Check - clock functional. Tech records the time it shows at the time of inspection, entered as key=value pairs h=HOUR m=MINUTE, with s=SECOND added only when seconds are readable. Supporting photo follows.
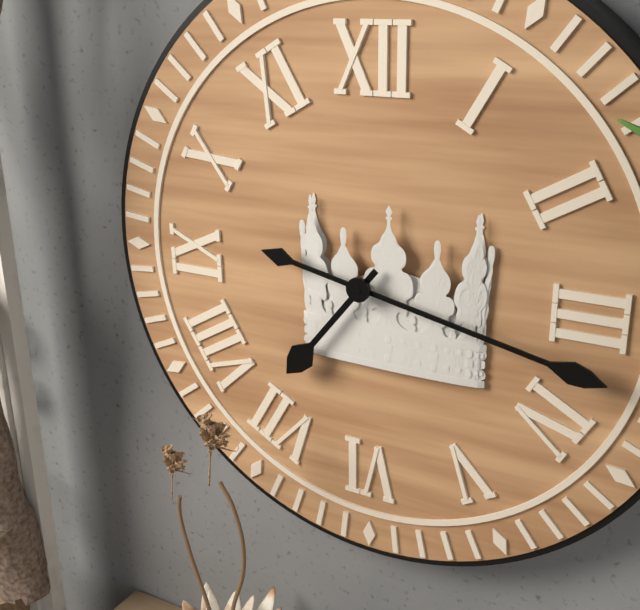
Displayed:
h=7 m=17
